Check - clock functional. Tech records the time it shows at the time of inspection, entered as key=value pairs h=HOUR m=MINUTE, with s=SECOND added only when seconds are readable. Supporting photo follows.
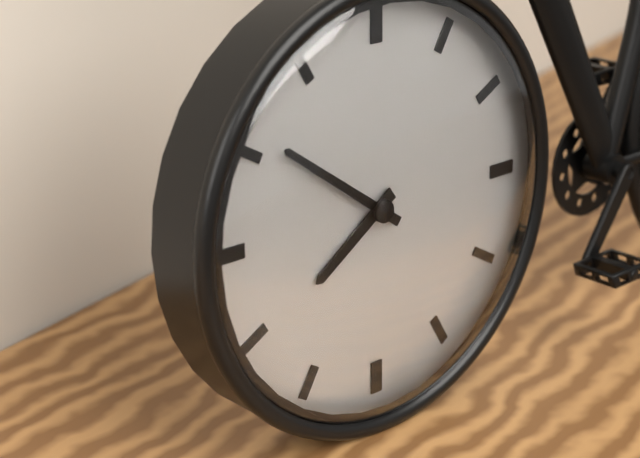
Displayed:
h=7 m=51
